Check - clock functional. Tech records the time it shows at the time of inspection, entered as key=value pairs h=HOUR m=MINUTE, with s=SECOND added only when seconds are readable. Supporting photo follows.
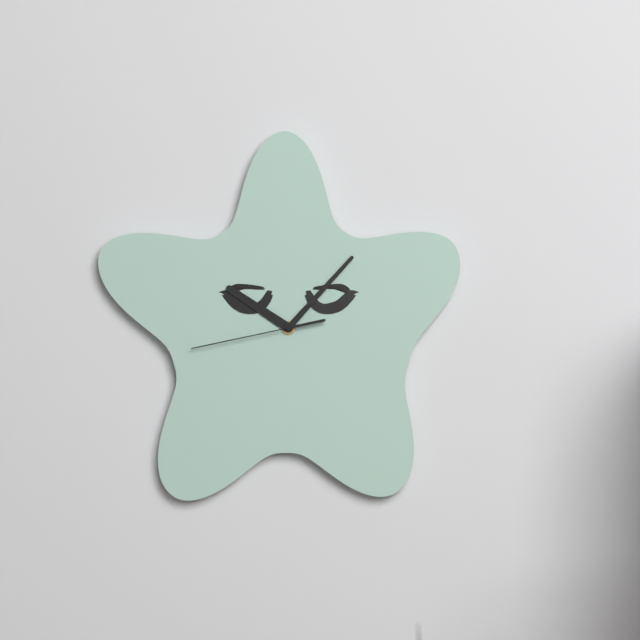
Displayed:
h=10 m=7 s=43
